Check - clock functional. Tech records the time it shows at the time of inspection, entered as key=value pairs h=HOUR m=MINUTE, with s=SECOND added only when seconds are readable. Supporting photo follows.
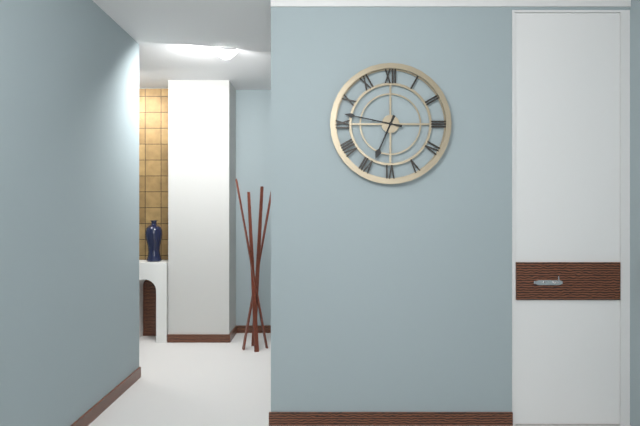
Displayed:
h=6 m=47
